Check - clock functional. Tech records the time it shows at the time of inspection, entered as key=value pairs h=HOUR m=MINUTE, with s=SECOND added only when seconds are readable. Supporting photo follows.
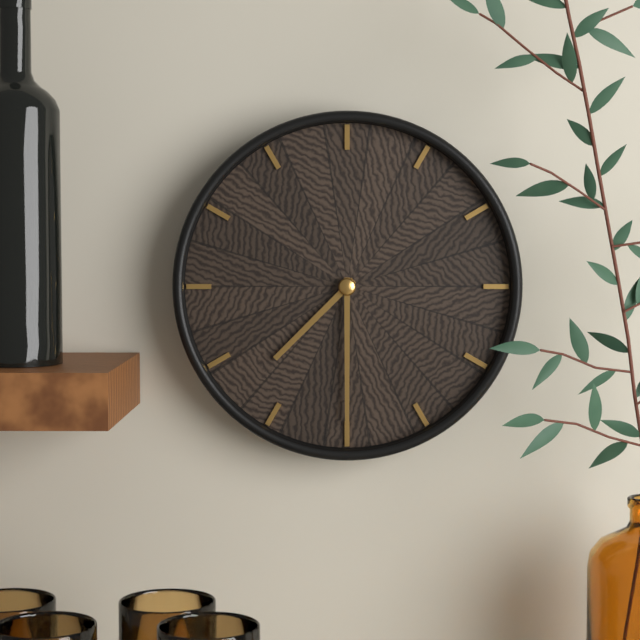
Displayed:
h=7 m=30
